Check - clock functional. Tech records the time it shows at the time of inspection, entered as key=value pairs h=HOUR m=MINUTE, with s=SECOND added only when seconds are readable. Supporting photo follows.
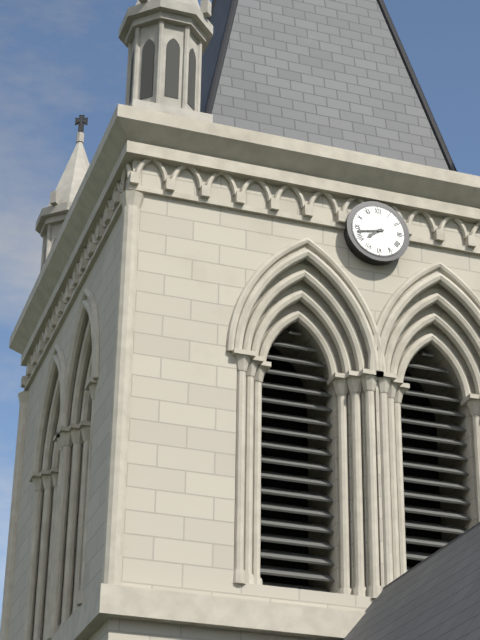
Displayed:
h=7 m=43
